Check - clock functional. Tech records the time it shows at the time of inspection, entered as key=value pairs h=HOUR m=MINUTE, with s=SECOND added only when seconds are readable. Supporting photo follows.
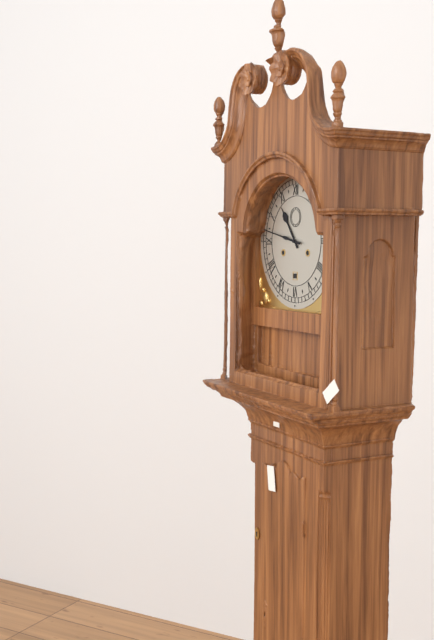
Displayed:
h=10 m=47
